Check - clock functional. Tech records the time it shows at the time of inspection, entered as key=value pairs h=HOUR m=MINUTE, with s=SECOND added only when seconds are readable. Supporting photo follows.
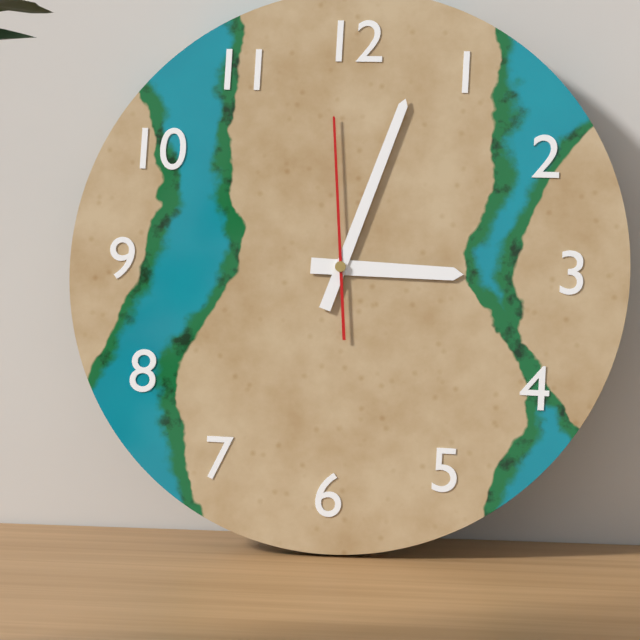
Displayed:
h=3 m=3 s=59
